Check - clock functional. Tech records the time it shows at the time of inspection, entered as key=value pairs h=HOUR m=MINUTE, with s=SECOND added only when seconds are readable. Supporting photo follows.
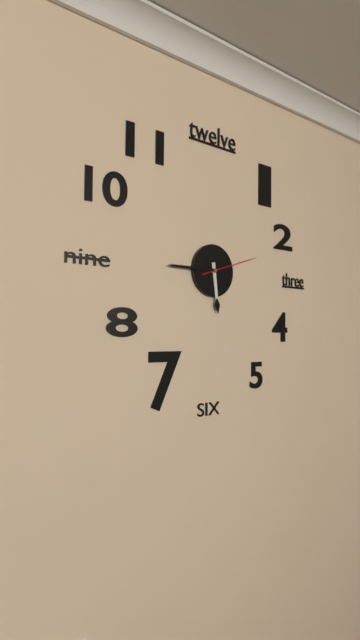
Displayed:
h=5 m=45 s=12
